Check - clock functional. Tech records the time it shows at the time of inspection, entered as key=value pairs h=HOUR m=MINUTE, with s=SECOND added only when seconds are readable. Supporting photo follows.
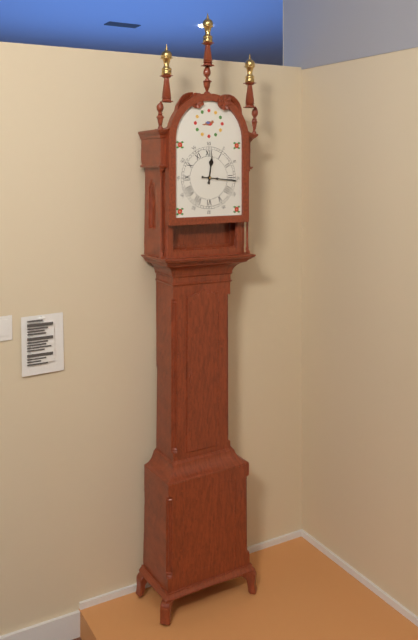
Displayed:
h=12 m=16
